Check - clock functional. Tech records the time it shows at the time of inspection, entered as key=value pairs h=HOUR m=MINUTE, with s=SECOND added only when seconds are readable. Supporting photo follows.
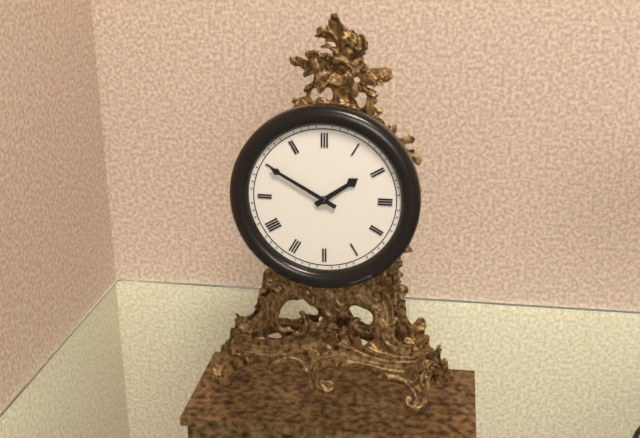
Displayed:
h=1 m=50
